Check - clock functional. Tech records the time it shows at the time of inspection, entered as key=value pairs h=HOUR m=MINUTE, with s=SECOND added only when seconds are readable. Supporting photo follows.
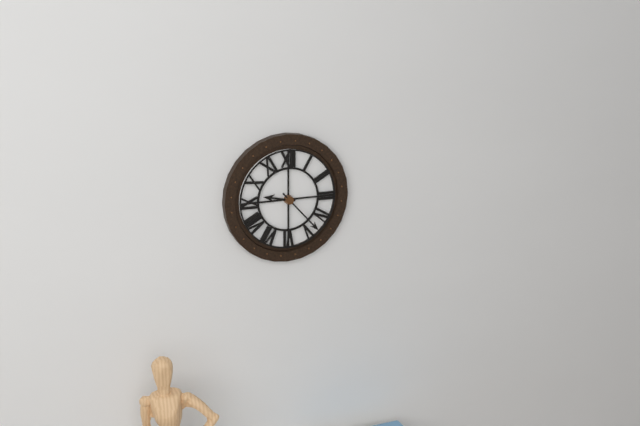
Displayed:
h=9 m=23
